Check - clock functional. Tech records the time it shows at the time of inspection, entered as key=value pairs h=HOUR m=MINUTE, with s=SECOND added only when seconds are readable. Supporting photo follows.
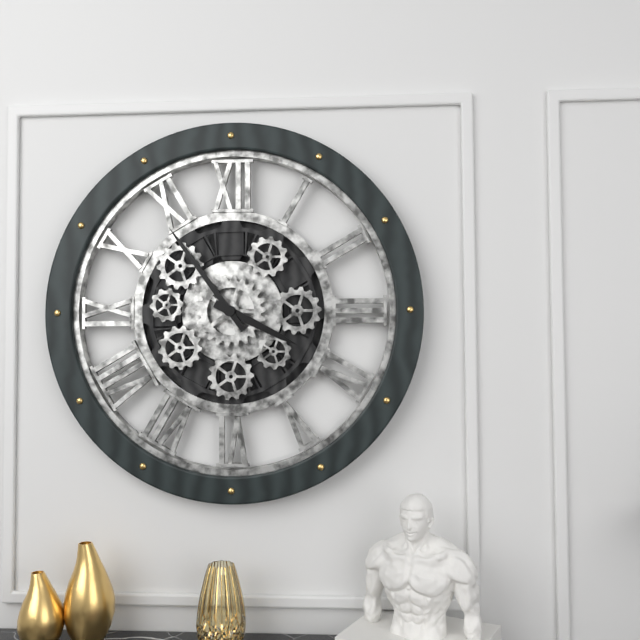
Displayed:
h=3 m=54
